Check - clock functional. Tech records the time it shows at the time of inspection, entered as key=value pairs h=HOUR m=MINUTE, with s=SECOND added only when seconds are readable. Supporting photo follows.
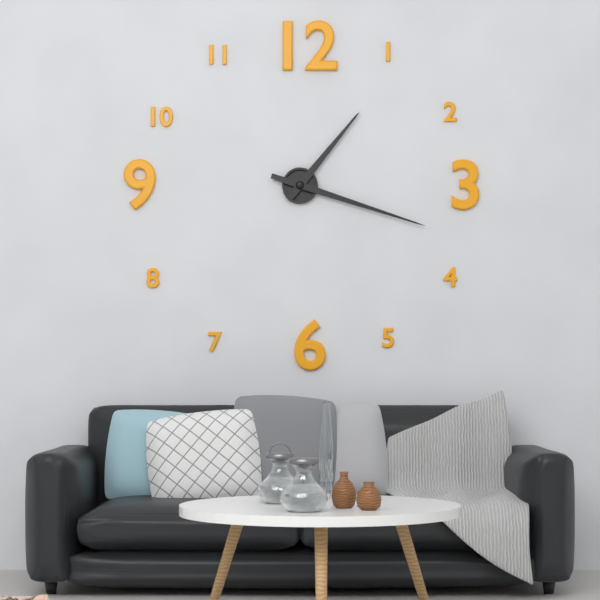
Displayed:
h=1 m=18
